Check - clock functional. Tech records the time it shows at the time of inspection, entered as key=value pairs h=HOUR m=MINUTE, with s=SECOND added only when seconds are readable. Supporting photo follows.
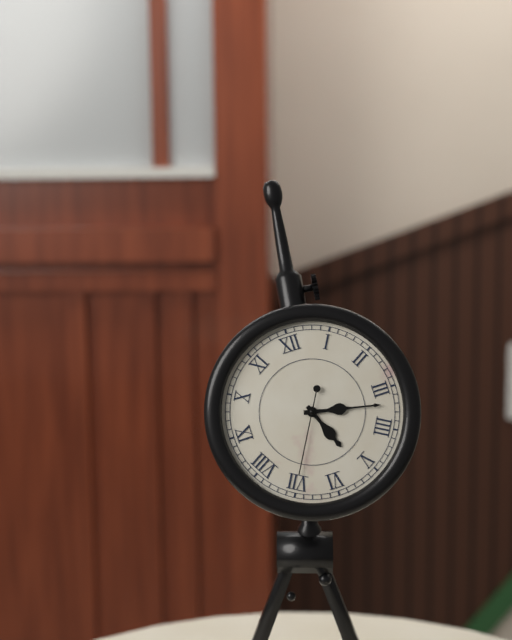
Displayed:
h=5 m=17 s=35
